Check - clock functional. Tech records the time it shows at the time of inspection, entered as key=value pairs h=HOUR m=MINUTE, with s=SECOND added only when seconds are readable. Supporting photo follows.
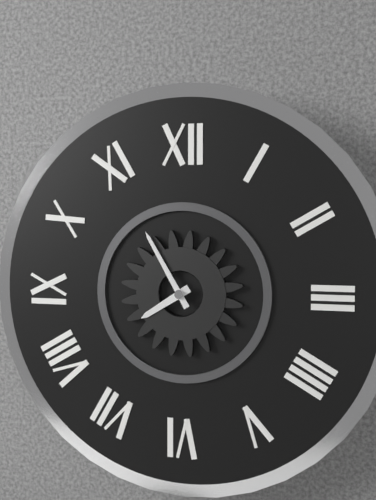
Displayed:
h=7 m=55
